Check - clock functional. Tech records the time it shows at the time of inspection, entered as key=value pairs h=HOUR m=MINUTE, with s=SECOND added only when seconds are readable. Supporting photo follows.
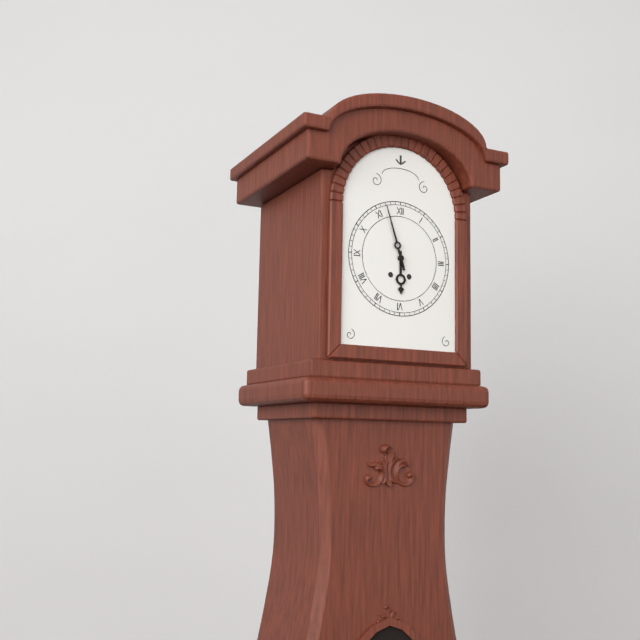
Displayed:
h=5 m=57
